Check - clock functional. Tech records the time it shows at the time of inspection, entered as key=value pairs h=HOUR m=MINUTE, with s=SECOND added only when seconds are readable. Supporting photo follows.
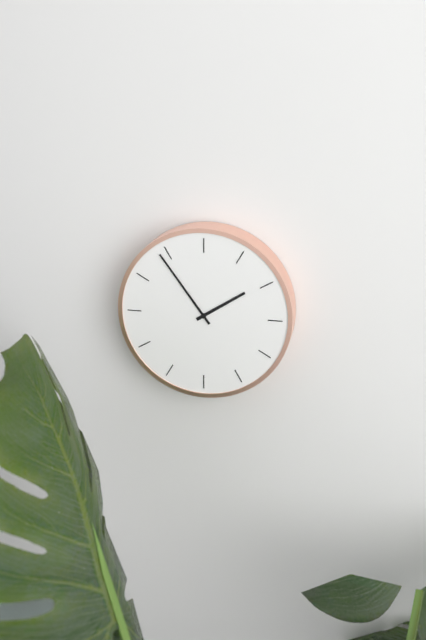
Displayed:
h=1 m=54
